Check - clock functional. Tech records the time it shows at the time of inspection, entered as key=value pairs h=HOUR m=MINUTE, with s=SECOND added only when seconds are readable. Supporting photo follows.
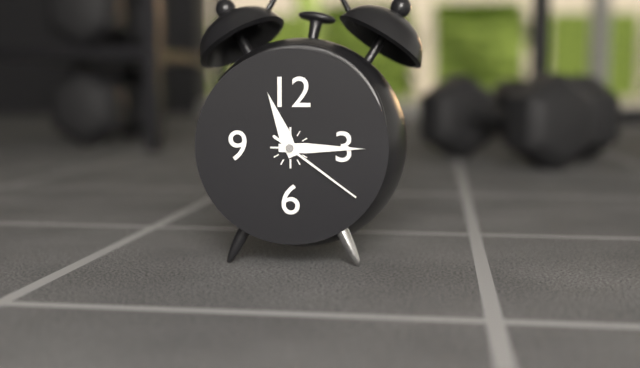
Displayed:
h=11 m=15 s=21
